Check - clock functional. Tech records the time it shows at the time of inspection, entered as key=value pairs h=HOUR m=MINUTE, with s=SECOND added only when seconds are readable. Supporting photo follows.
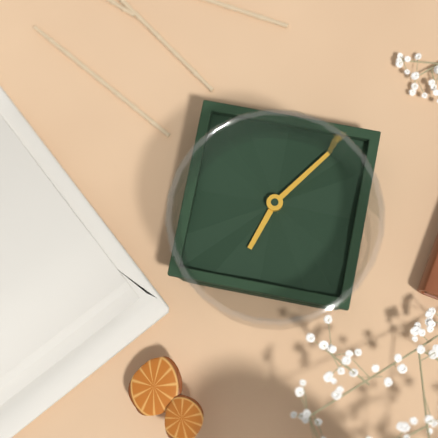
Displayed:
h=12 m=36
